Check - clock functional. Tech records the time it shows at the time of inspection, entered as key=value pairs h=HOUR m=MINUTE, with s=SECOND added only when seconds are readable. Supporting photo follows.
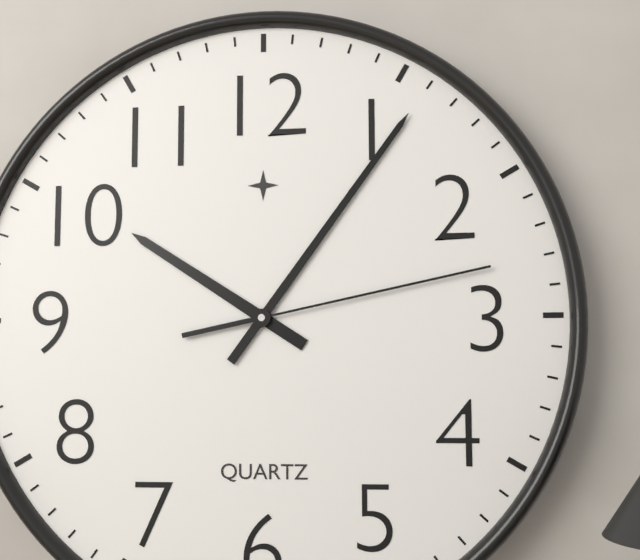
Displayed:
h=10 m=6 s=13
